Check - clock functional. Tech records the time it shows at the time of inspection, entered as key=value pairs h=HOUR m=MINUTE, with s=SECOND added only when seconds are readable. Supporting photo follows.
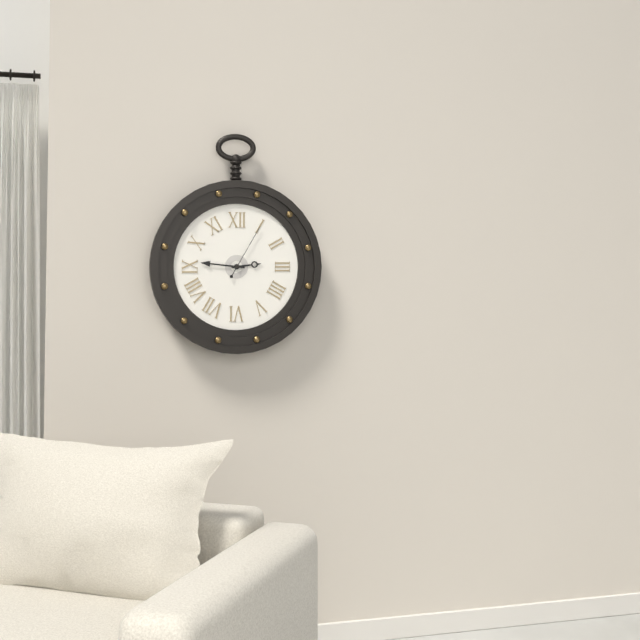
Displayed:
h=2 m=46 s=5
